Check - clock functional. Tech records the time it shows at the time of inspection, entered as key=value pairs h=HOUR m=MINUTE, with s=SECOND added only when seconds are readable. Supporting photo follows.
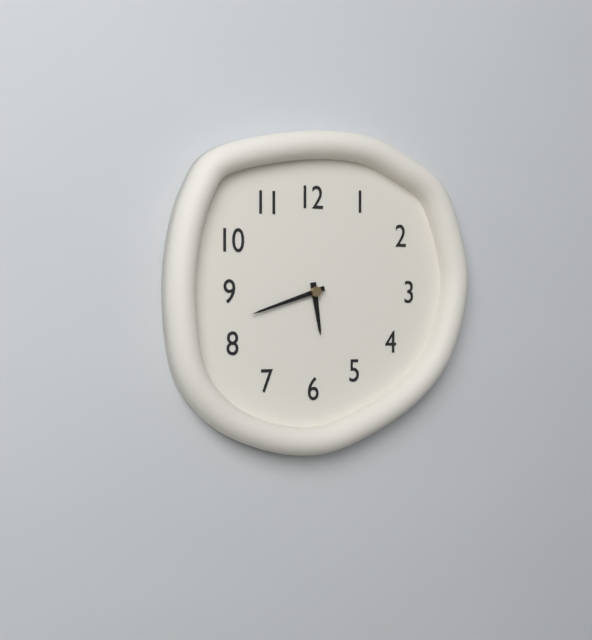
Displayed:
h=5 m=42
